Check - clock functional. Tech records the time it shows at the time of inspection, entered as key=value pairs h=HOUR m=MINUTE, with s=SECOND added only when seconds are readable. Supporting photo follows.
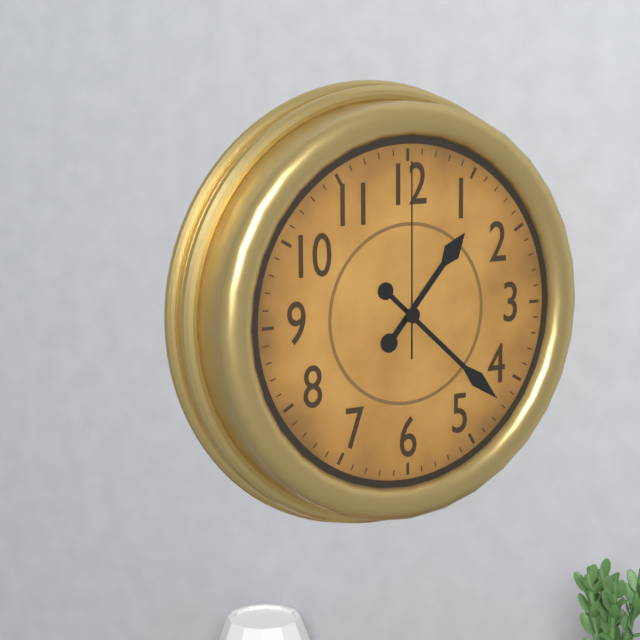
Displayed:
h=1 m=22 s=0
